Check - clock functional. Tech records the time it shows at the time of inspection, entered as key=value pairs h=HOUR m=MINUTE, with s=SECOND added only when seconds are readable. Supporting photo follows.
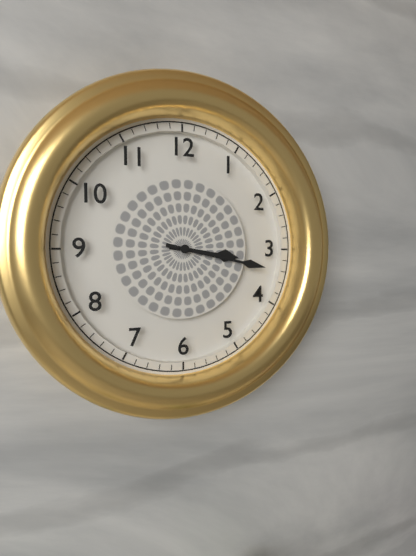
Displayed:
h=3 m=17
